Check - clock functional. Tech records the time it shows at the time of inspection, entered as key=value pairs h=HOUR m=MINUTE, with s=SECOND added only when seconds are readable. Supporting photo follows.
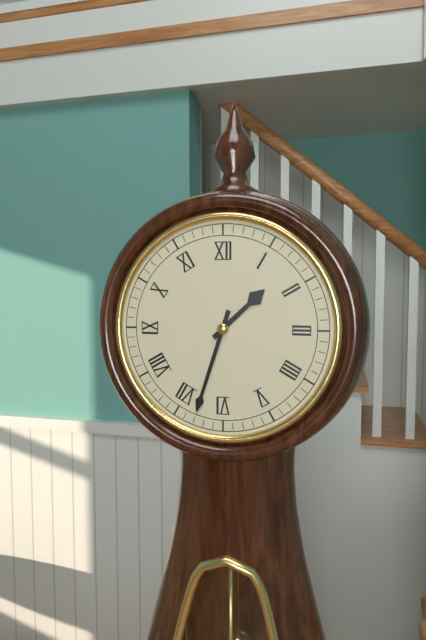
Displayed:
h=1 m=33
